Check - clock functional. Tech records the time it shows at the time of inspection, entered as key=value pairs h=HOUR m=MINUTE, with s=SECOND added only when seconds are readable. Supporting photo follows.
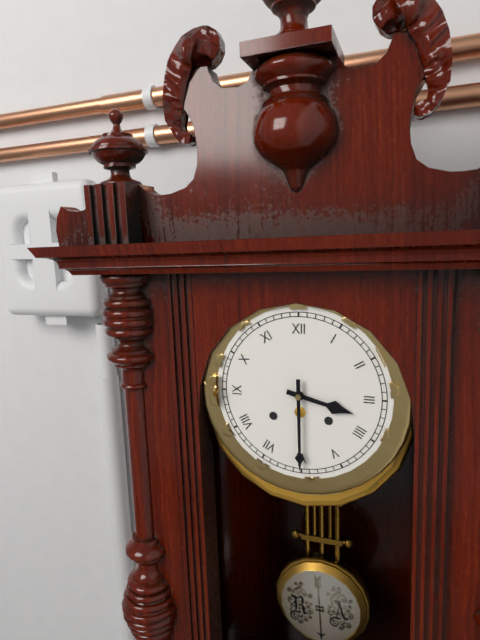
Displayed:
h=3 m=30
